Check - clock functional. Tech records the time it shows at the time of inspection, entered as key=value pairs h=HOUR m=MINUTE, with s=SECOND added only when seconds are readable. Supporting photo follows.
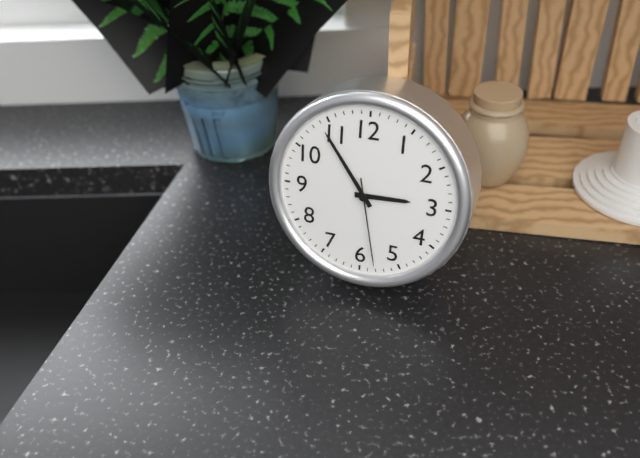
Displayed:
h=2 m=54 s=28
